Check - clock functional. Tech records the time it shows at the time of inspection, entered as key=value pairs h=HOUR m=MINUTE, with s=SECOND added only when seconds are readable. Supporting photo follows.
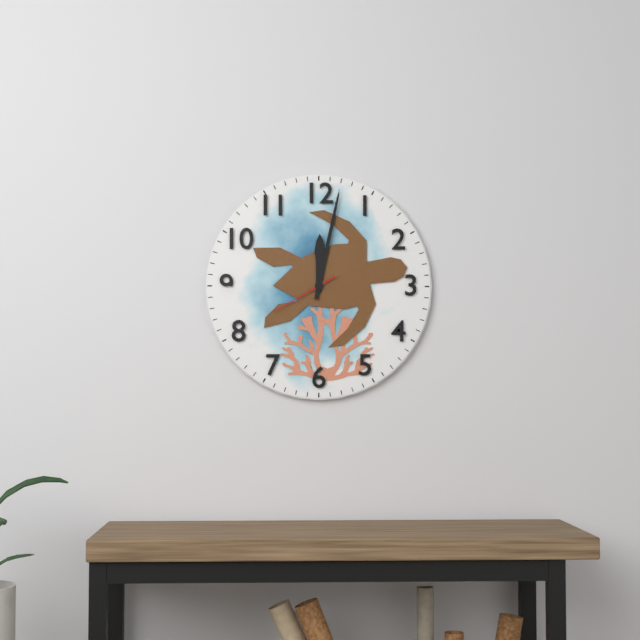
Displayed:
h=12 m=2 s=40
